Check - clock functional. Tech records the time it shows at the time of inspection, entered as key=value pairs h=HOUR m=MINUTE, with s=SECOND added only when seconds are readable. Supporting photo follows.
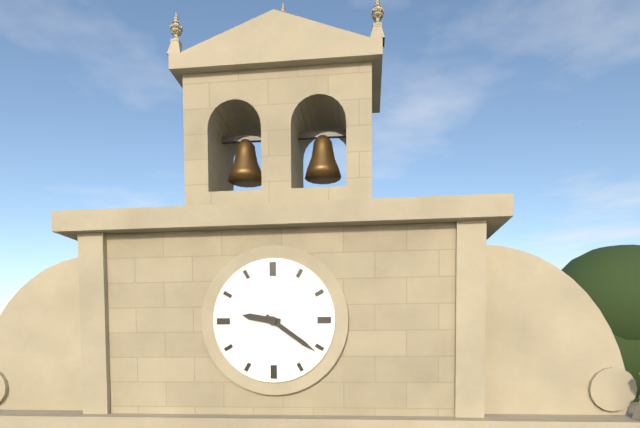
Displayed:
h=9 m=21
